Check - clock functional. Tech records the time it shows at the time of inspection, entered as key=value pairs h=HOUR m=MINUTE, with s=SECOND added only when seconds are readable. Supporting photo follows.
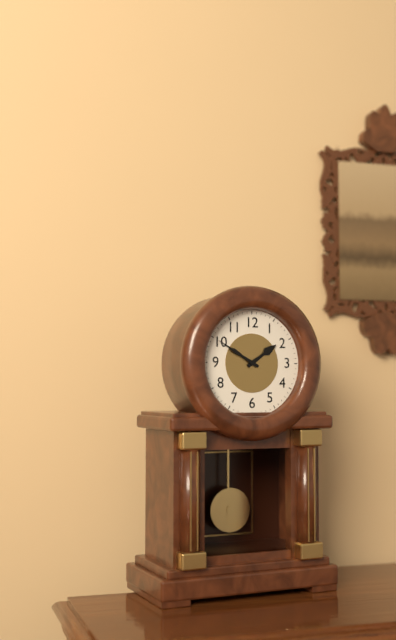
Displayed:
h=1 m=50
